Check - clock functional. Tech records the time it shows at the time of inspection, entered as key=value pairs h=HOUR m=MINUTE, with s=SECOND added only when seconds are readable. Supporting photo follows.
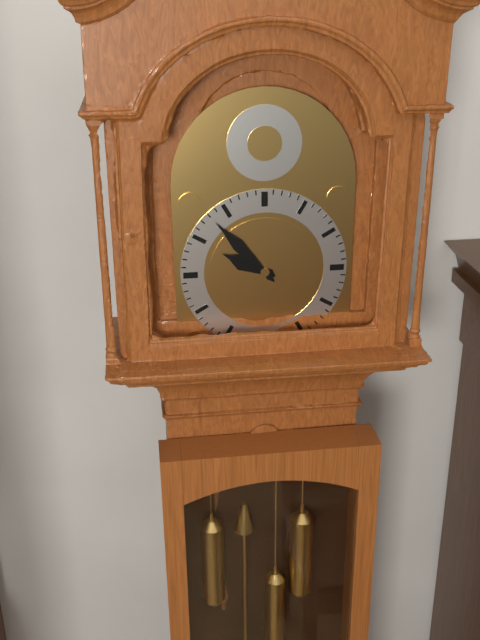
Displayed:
h=9 m=53
